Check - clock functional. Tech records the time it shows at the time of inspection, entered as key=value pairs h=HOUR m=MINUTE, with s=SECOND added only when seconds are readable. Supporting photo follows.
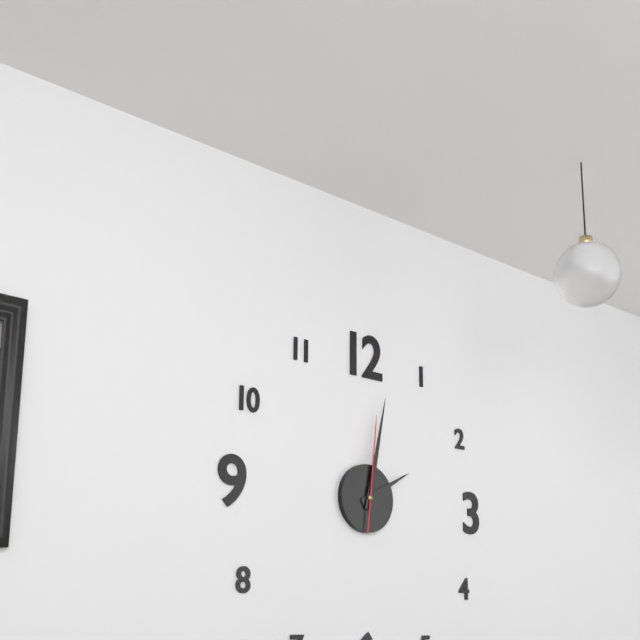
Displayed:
h=2 m=2 s=1
